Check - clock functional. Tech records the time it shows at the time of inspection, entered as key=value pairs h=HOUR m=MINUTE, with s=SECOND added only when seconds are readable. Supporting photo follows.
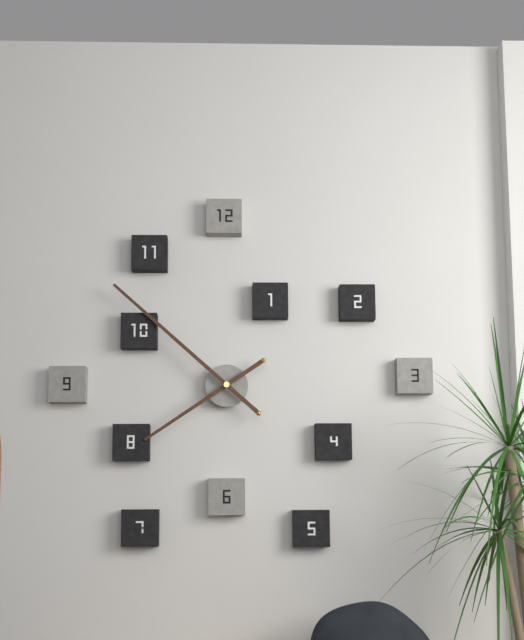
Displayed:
h=7 m=52
